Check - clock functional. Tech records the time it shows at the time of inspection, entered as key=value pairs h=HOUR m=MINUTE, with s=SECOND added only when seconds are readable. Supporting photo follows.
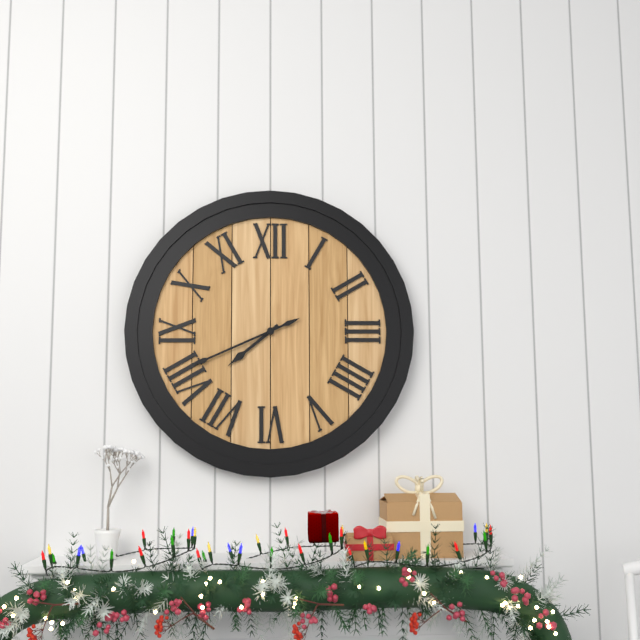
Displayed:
h=7 m=41
